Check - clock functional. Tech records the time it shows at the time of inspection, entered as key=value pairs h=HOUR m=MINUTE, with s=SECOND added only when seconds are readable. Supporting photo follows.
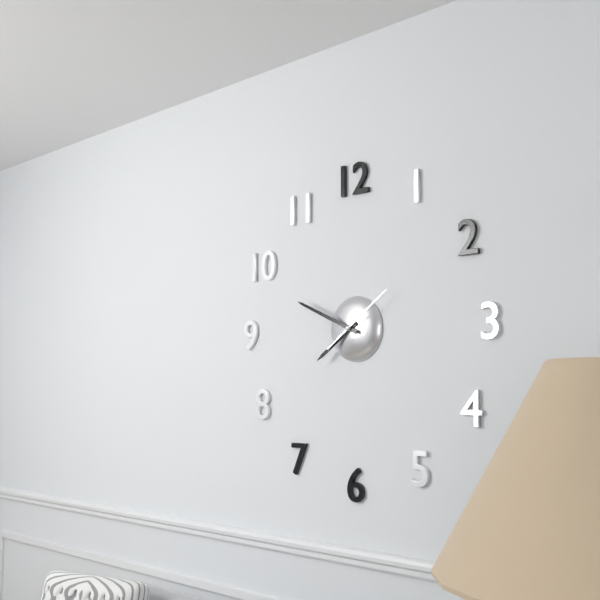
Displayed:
h=7 m=49 s=9
